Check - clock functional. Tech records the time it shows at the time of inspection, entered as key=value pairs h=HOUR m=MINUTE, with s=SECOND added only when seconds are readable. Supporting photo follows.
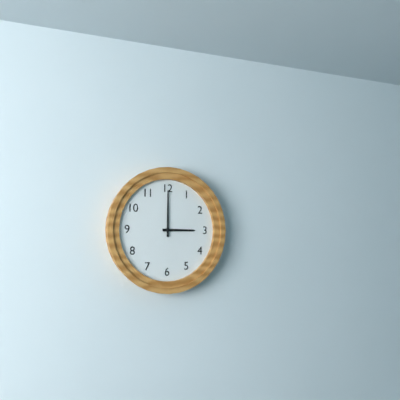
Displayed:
h=3 m=0
